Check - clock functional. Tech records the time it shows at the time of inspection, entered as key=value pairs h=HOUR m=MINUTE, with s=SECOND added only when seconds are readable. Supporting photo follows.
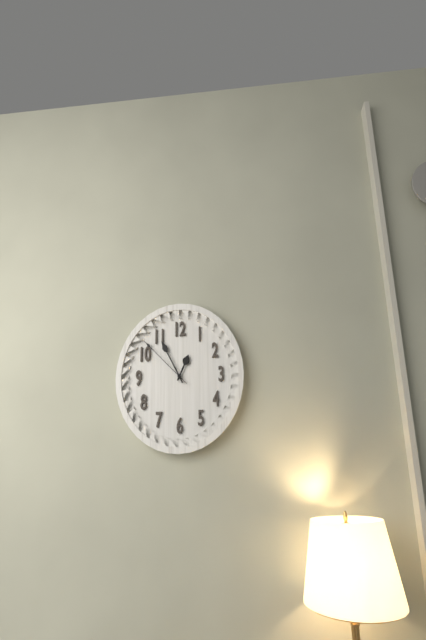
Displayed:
h=12 m=55 s=52
